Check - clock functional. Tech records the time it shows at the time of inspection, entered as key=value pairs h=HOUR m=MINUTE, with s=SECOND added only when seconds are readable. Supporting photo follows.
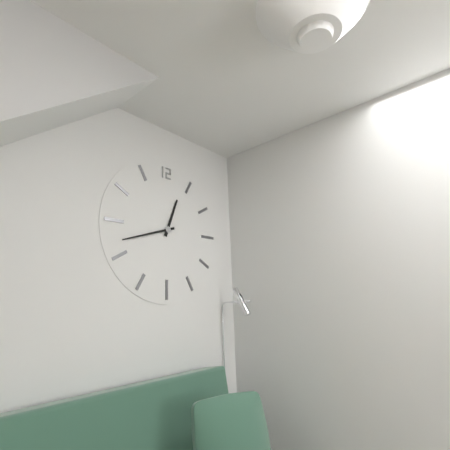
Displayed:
h=12 m=42
